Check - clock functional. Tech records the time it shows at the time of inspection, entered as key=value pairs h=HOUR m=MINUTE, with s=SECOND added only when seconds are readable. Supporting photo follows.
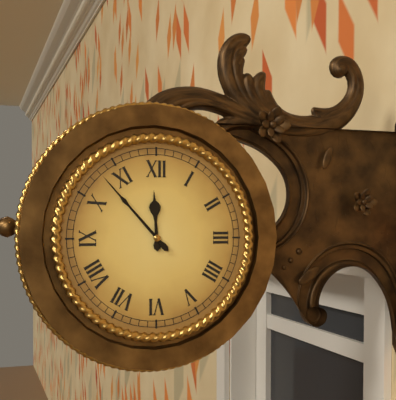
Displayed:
h=11 m=53
